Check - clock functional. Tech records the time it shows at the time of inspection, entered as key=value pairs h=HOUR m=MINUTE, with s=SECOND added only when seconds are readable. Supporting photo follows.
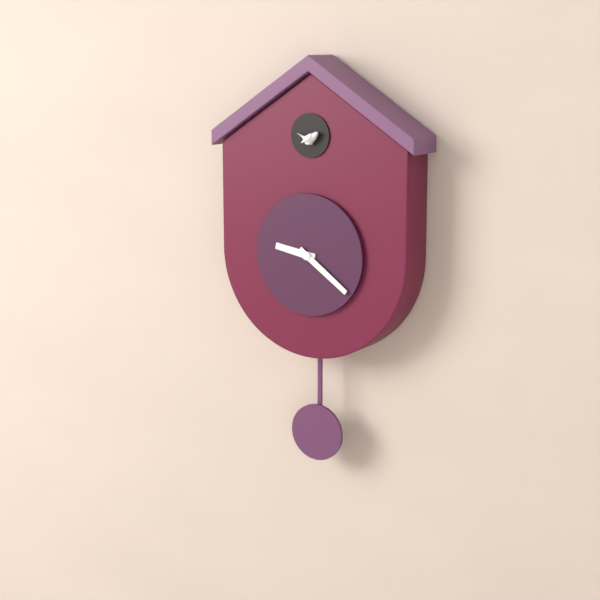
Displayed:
h=9 m=21
